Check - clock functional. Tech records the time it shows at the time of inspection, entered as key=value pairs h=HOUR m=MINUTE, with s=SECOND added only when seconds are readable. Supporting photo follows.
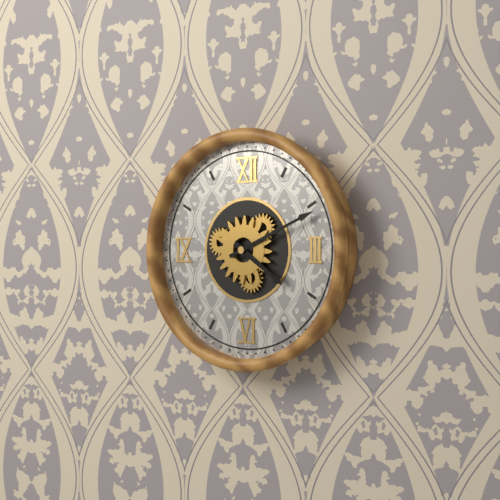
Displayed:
h=4 m=11
